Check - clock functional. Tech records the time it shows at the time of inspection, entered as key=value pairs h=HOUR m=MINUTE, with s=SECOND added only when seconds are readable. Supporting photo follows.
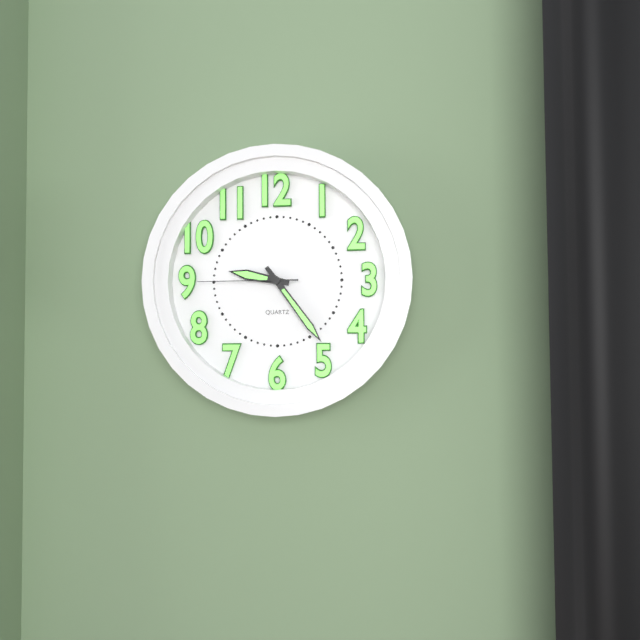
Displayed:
h=9 m=24 s=45
